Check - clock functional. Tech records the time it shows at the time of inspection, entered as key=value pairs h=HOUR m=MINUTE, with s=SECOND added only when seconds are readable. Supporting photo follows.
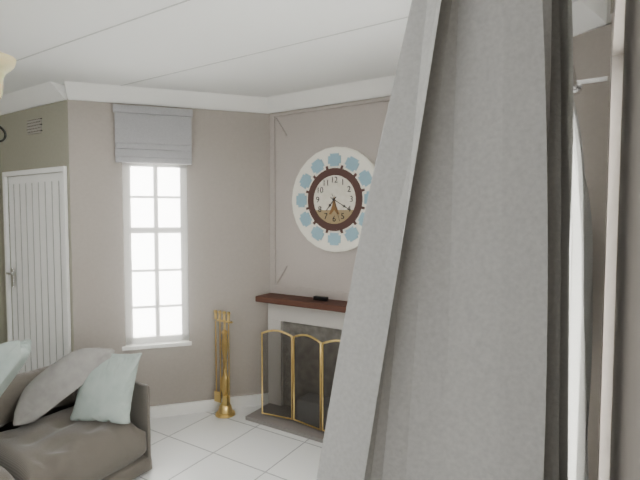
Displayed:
h=7 m=20
